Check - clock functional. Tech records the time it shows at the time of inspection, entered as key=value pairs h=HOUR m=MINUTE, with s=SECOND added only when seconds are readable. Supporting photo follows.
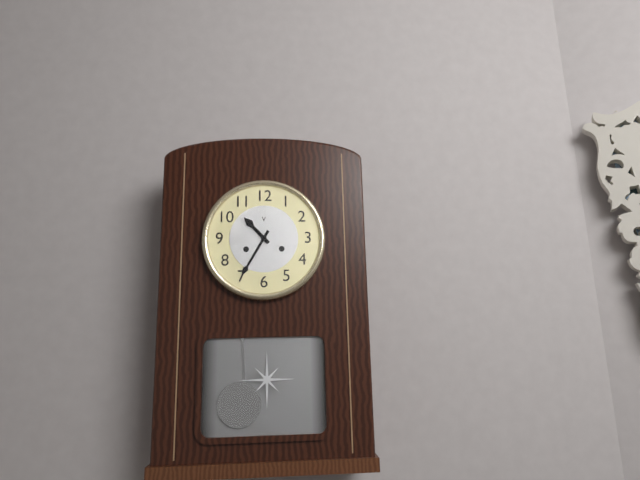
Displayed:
h=10 m=35
